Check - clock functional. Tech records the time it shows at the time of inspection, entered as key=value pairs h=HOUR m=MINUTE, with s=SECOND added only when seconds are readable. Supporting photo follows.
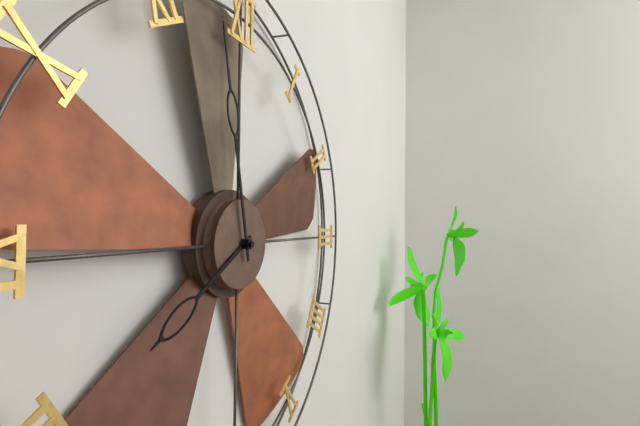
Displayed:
h=7 m=58
